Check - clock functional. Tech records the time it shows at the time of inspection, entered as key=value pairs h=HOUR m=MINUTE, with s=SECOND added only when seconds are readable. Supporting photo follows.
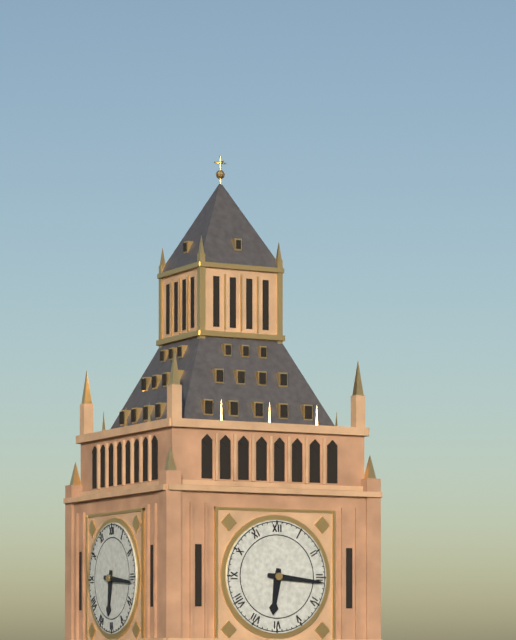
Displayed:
h=6 m=16
